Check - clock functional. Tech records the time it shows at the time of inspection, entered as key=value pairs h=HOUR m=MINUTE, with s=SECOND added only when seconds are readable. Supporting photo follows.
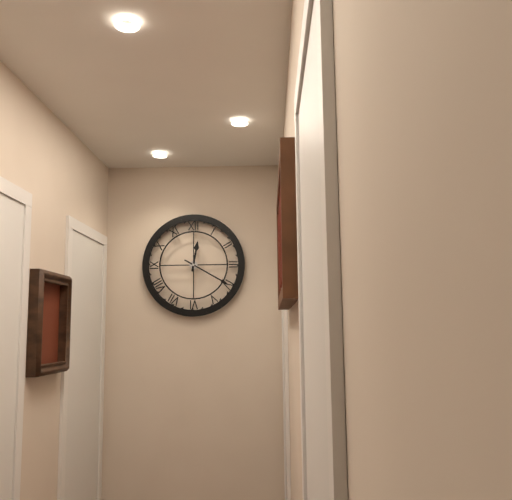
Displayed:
h=12 m=20
